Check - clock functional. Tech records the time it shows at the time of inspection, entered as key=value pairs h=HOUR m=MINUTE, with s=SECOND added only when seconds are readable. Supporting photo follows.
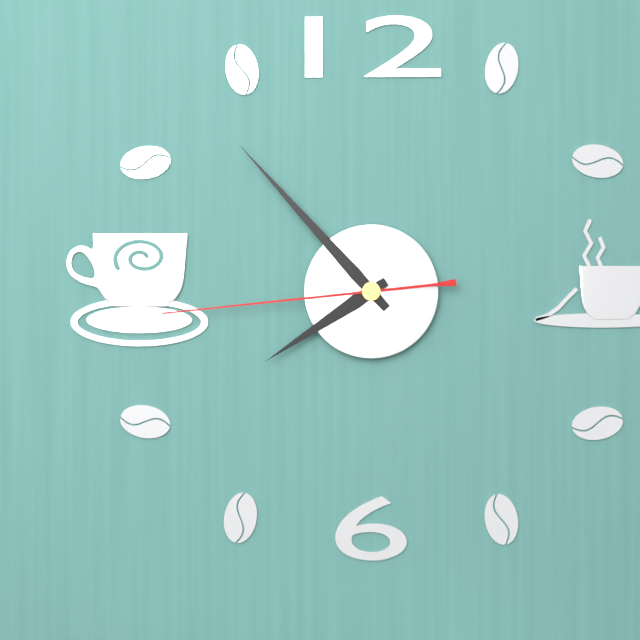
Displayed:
h=7 m=53 s=44
